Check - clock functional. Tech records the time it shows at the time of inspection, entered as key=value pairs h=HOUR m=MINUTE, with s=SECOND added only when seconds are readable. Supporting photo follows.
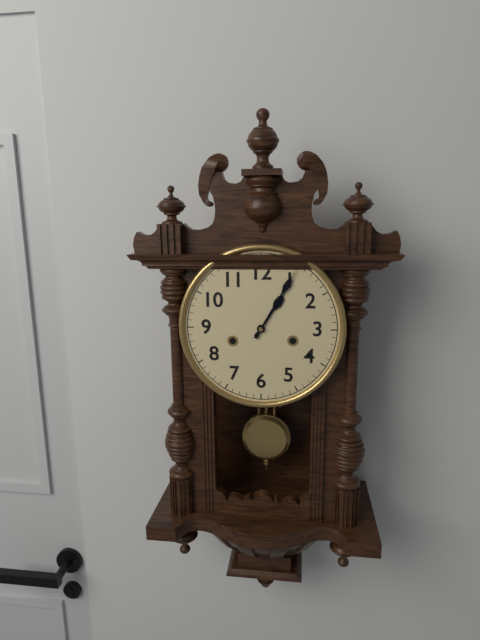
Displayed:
h=1 m=5
